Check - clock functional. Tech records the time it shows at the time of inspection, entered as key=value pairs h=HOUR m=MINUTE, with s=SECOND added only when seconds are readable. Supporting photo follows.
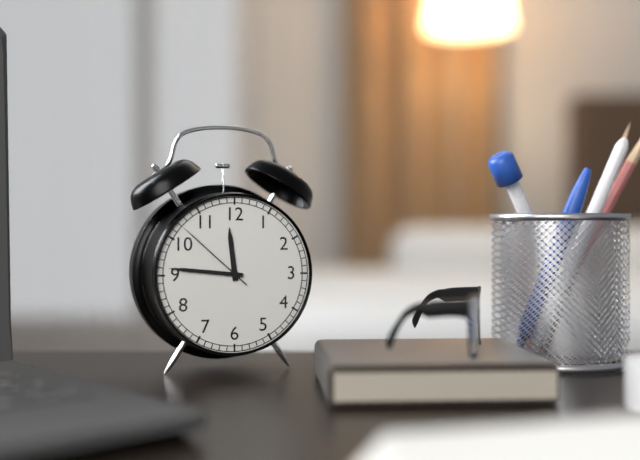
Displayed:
h=11 m=46 s=52
